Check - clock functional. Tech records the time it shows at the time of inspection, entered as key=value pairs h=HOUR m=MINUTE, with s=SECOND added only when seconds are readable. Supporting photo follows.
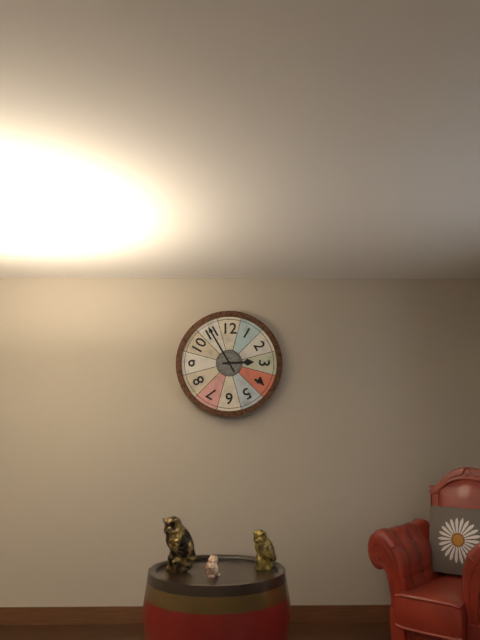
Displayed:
h=2 m=55
